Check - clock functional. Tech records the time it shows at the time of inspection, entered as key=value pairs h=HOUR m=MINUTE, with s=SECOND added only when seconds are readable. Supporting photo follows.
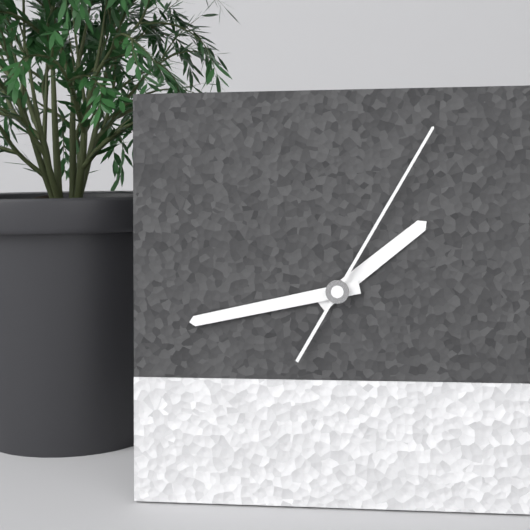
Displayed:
h=1 m=43 s=5
